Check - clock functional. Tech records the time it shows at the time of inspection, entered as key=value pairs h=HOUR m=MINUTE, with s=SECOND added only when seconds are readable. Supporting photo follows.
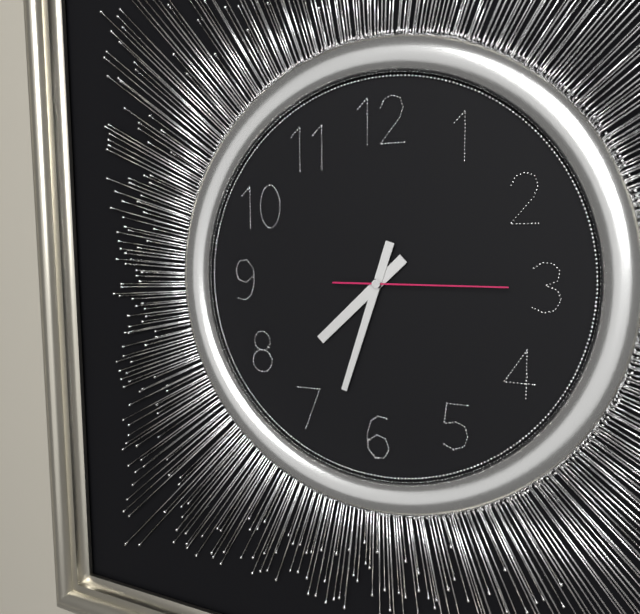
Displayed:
h=7 m=33 s=15
